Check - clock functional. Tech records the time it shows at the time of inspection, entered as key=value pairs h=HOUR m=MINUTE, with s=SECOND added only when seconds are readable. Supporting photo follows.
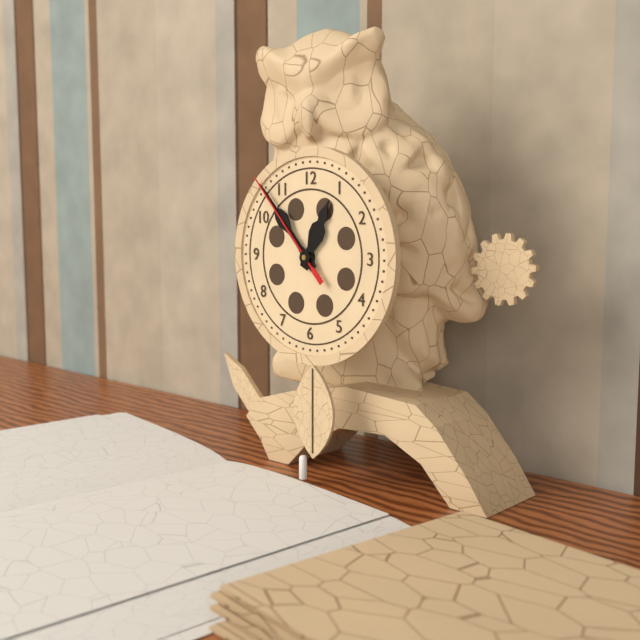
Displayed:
h=12 m=53 s=53
